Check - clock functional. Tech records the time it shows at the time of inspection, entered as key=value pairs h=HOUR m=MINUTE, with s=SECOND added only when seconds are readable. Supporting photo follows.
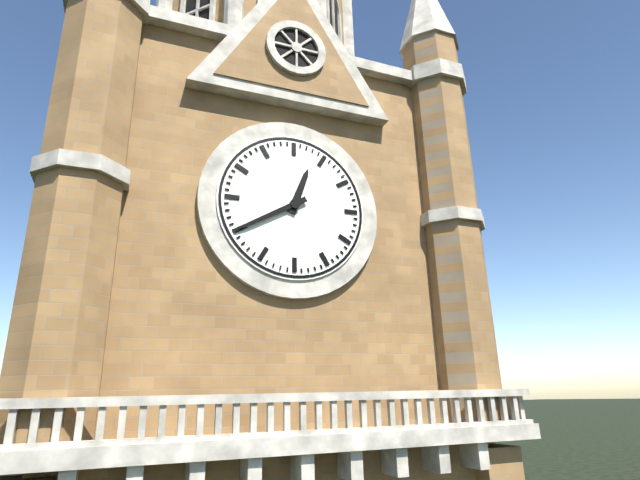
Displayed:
h=12 m=40
